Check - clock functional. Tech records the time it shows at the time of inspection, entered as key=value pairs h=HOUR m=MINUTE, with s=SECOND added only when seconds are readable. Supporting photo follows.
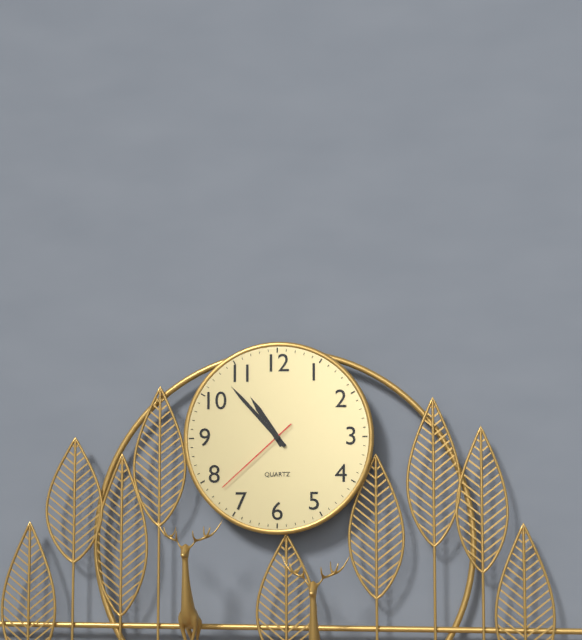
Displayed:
h=10 m=53 s=38
